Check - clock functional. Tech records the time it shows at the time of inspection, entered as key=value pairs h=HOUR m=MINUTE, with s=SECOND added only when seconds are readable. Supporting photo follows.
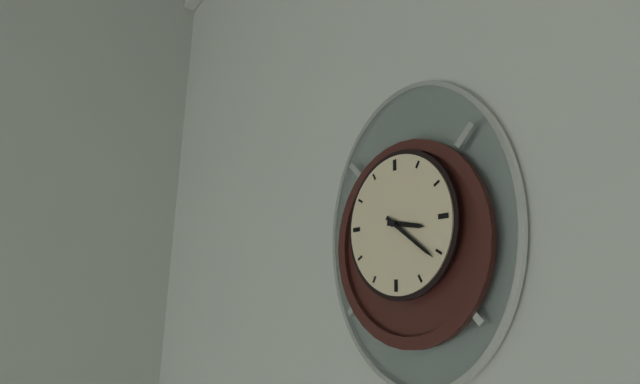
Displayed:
h=3 m=21
